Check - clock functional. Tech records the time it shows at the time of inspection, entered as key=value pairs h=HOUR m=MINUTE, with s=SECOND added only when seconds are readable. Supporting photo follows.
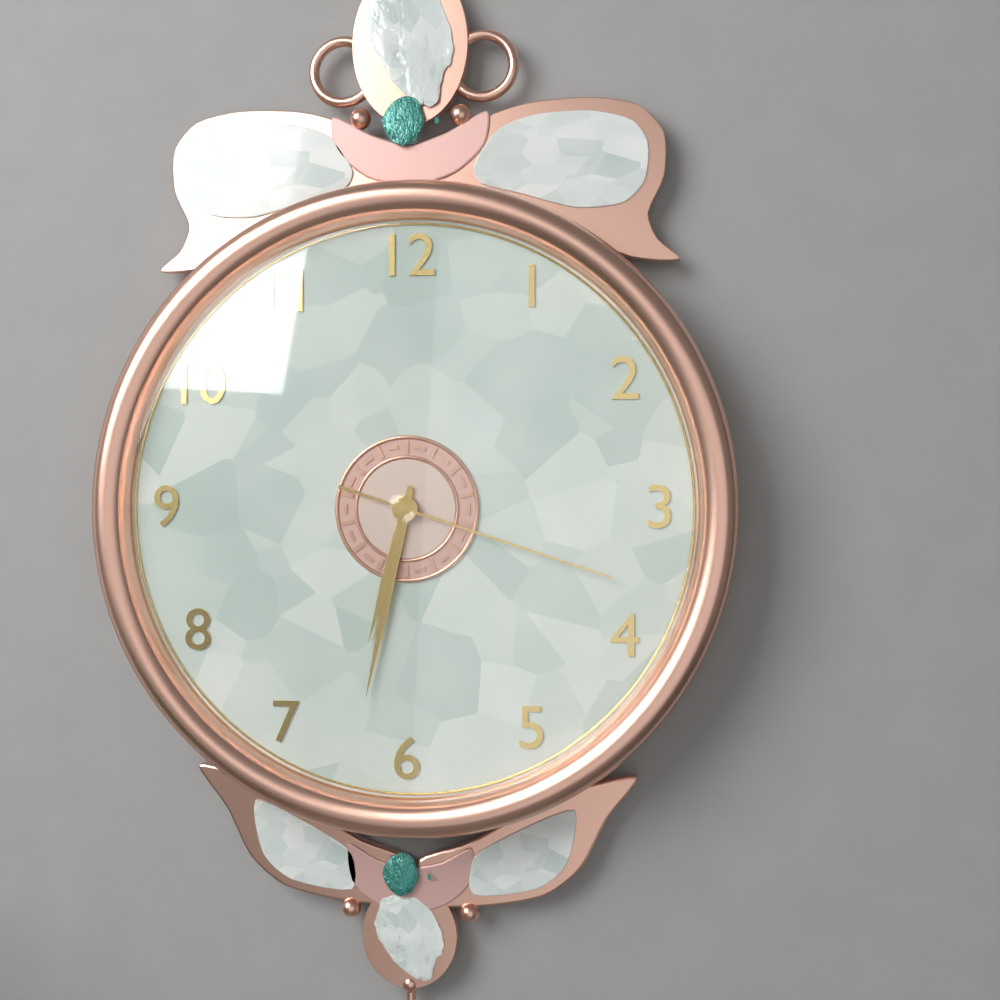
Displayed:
h=6 m=32 s=18
